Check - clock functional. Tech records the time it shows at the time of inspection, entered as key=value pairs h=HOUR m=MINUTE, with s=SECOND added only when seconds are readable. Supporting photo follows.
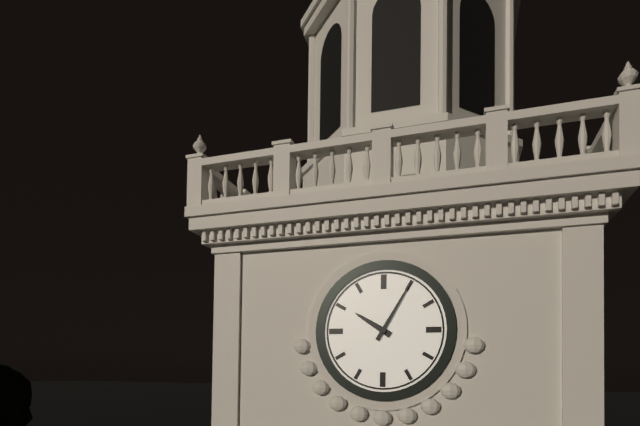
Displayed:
h=10 m=5
